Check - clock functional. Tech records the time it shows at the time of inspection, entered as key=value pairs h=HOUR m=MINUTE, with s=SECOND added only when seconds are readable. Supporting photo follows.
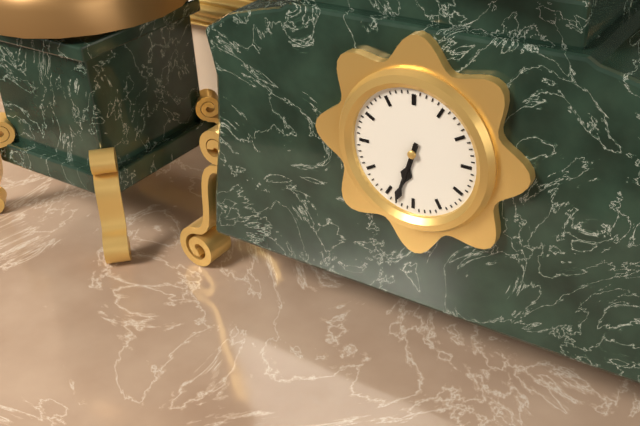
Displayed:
h=6 m=33
